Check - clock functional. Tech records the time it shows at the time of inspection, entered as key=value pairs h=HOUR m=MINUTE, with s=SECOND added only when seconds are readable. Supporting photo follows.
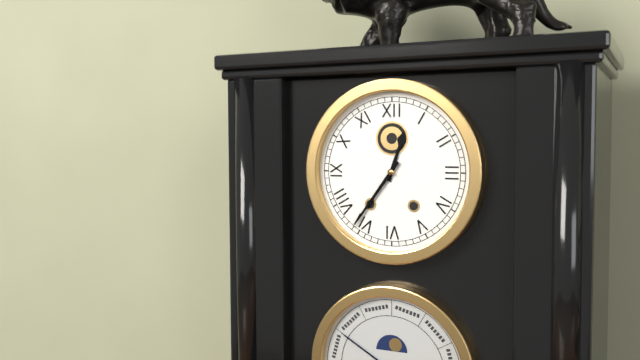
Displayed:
h=12 m=36
